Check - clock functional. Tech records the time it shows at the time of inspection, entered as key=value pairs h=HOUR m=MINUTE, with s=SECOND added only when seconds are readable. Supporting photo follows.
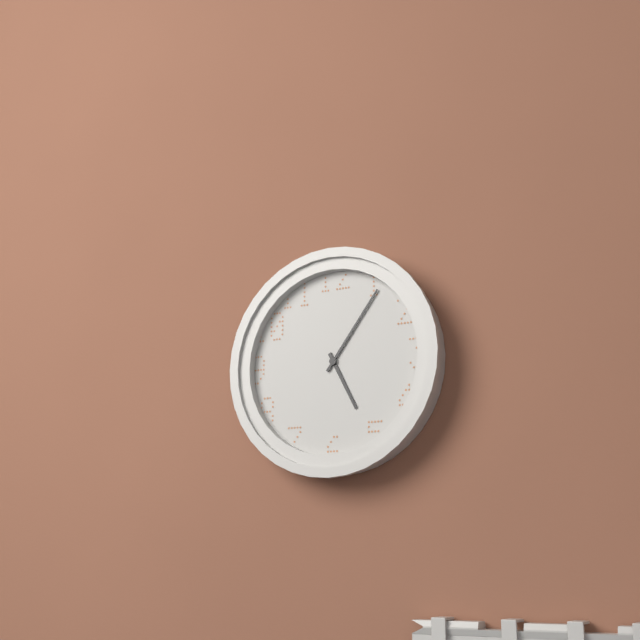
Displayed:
h=5 m=6
